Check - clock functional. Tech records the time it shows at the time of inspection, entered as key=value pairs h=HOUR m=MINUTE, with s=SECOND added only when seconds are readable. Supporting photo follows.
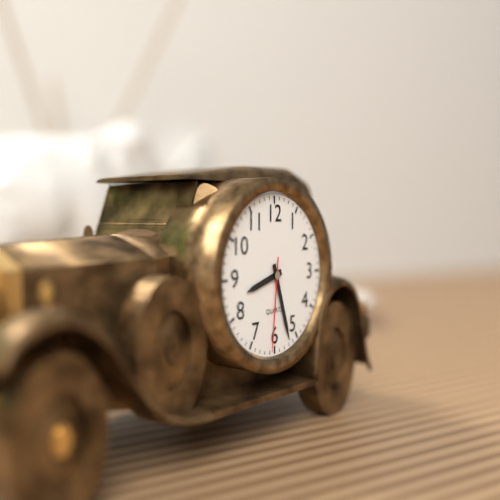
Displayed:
h=8 m=27 s=31
